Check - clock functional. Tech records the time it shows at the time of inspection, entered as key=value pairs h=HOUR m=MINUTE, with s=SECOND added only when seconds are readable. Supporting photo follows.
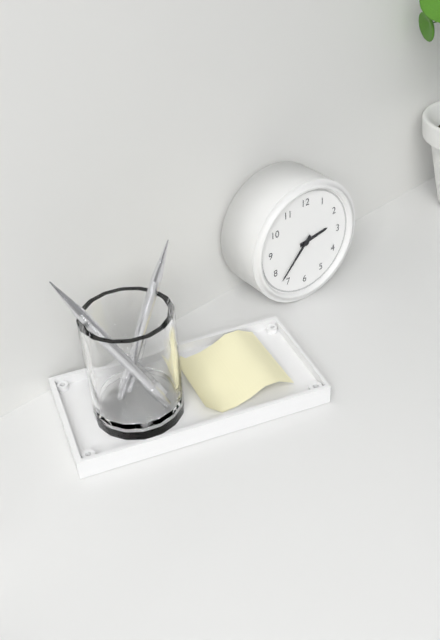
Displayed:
h=2 m=37
